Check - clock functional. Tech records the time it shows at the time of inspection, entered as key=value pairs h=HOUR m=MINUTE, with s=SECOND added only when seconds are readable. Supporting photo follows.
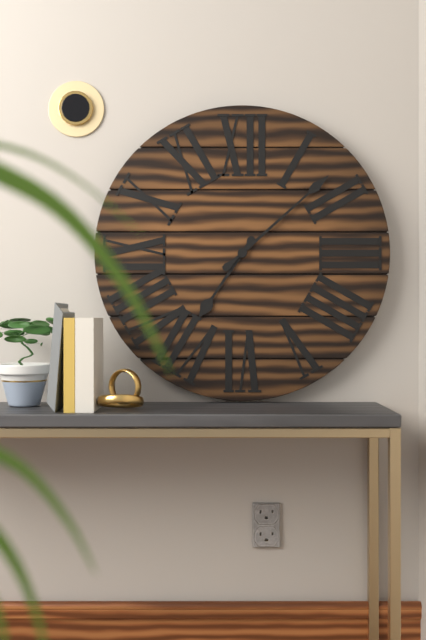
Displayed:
h=7 m=8
